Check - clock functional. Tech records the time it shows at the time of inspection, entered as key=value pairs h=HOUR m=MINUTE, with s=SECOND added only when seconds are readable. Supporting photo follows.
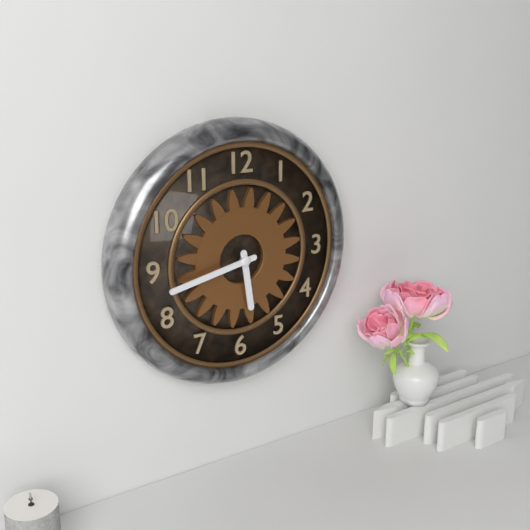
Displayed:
h=5 m=43
